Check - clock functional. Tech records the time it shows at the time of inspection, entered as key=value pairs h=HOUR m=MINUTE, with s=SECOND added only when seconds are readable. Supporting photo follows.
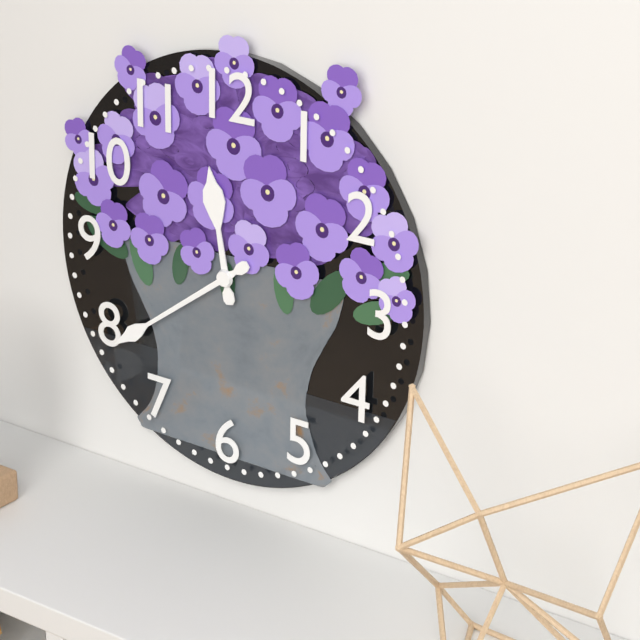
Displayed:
h=11 m=39
